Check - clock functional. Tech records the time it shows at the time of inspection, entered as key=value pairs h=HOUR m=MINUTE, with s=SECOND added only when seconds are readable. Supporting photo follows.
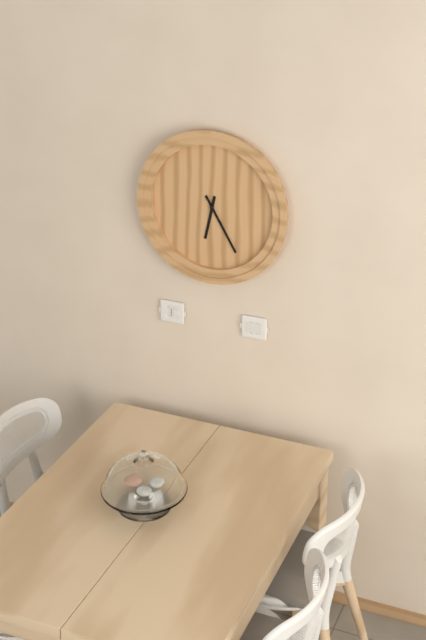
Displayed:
h=6 m=25
